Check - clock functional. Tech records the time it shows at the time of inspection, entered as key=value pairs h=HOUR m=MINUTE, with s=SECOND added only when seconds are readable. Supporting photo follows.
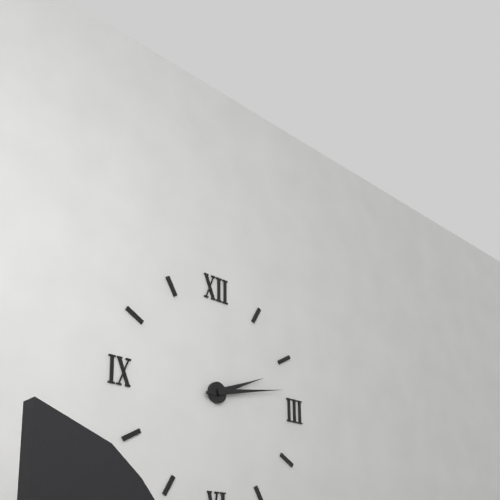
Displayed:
h=2 m=13
